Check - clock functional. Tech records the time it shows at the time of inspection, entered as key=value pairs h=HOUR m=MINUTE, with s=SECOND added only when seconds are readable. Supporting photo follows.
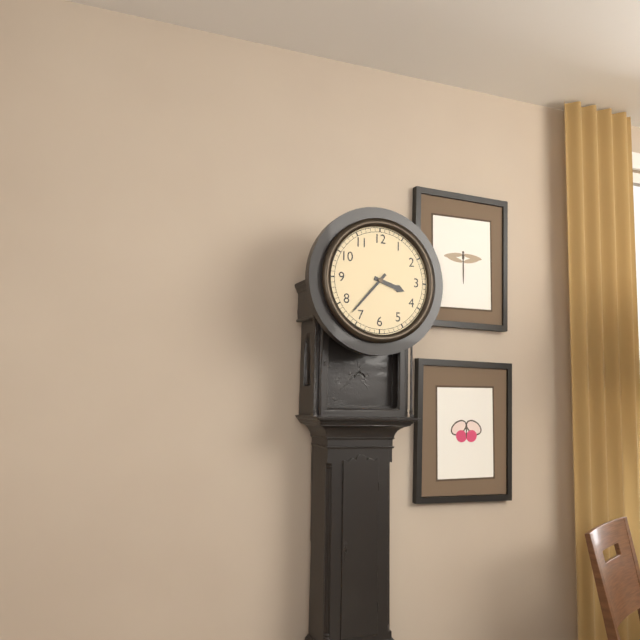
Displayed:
h=3 m=37
